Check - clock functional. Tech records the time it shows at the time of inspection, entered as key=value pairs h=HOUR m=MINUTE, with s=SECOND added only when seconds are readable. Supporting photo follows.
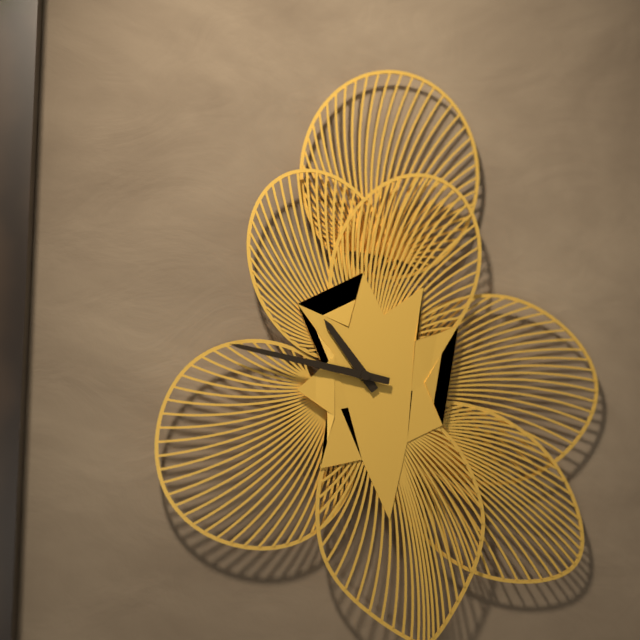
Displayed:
h=10 m=47
